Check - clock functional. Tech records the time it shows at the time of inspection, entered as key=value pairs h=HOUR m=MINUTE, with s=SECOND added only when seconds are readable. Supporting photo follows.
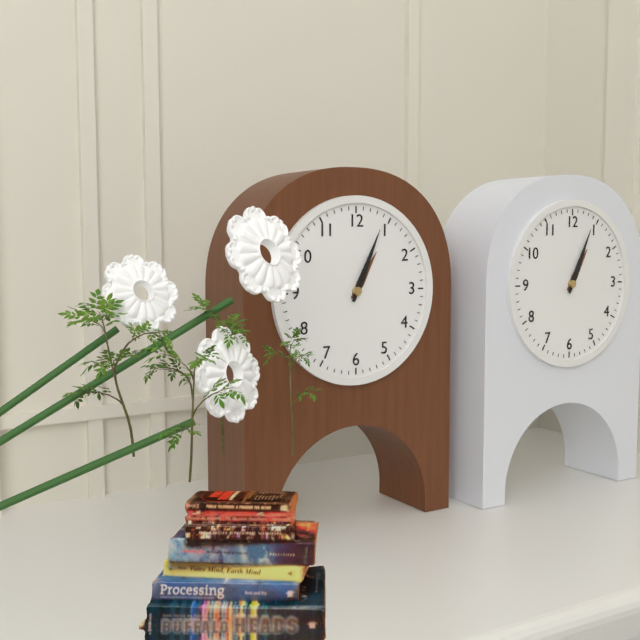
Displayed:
h=1 m=4
